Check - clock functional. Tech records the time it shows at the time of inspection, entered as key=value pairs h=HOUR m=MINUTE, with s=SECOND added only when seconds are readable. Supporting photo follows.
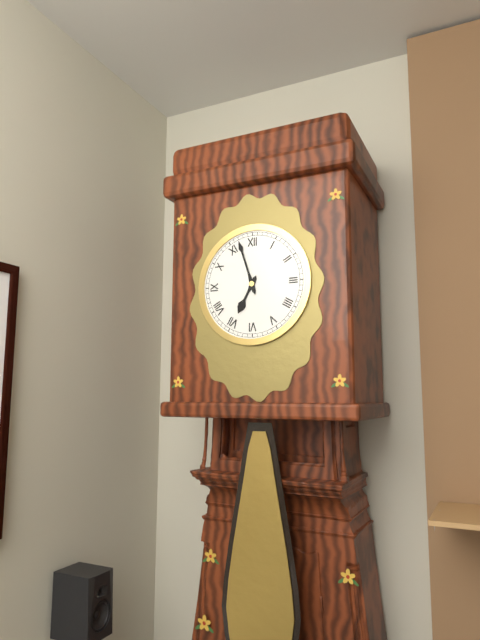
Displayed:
h=6 m=57
